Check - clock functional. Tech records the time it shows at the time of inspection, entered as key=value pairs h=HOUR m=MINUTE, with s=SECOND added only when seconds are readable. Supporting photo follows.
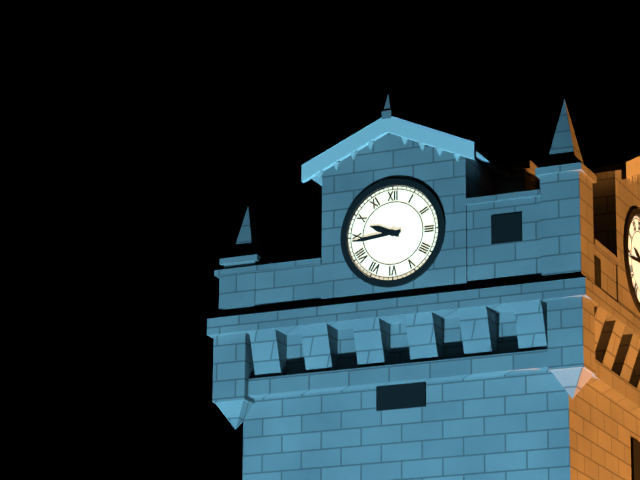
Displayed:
h=9 m=44
